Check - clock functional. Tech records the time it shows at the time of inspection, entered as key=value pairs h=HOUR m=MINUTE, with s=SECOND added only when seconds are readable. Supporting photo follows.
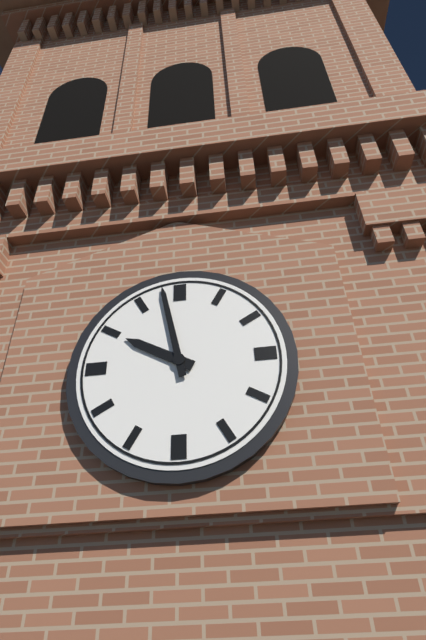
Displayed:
h=9 m=58
